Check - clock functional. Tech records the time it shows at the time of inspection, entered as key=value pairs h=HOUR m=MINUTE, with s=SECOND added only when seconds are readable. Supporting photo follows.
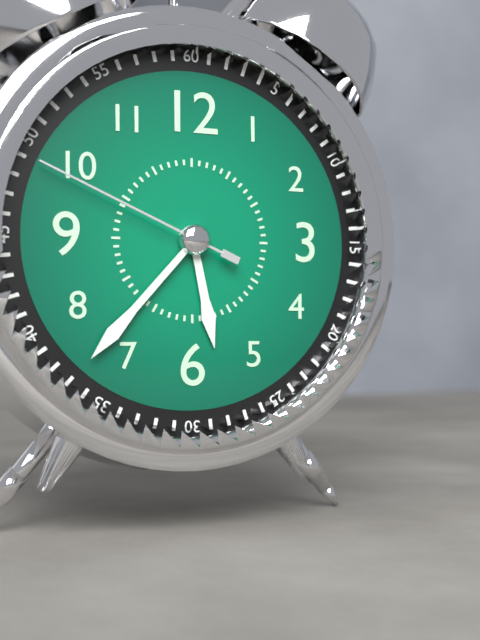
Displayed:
h=5 m=37 s=49
